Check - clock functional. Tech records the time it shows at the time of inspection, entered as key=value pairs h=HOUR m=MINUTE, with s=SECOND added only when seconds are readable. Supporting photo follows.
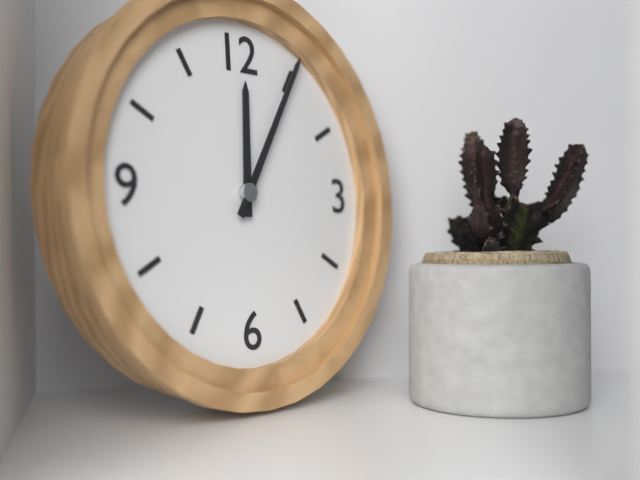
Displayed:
h=12 m=5
